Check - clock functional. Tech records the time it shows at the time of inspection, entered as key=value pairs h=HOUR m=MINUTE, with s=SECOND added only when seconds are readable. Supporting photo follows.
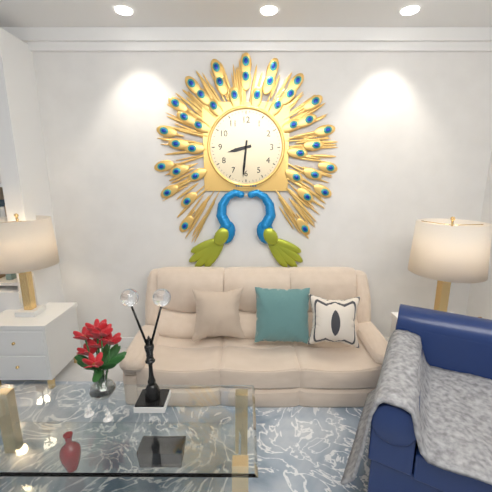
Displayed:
h=8 m=31
